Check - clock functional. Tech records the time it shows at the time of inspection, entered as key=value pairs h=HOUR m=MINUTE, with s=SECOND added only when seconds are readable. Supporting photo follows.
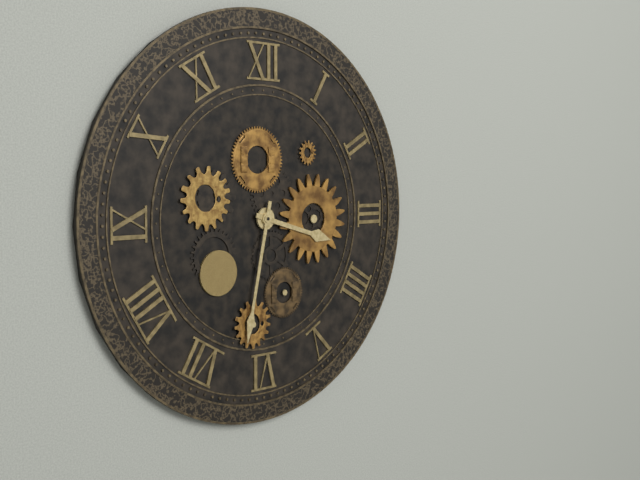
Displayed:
h=3 m=32
